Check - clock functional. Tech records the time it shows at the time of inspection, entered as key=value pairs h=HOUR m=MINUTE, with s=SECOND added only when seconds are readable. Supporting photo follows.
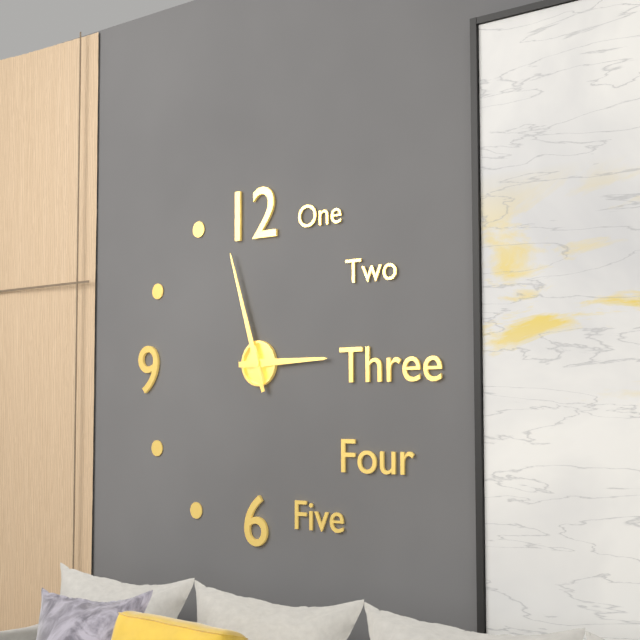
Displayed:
h=2 m=57
